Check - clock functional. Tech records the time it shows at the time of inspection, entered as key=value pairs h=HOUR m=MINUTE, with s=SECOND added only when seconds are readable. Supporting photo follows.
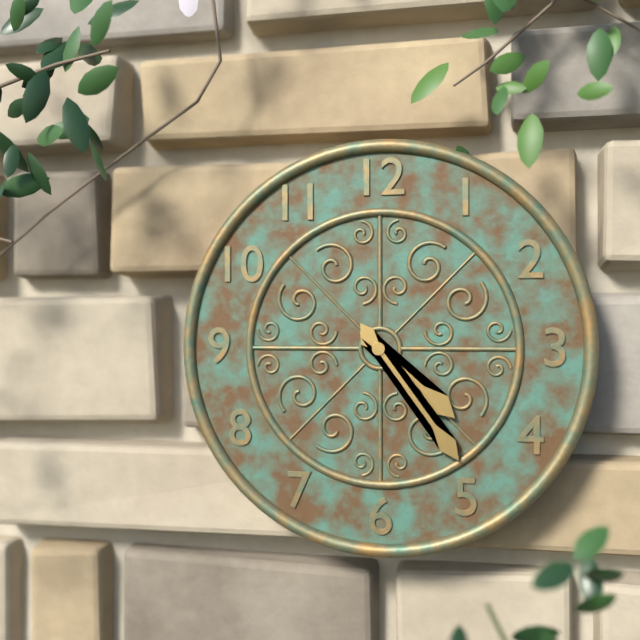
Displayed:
h=4 m=24
